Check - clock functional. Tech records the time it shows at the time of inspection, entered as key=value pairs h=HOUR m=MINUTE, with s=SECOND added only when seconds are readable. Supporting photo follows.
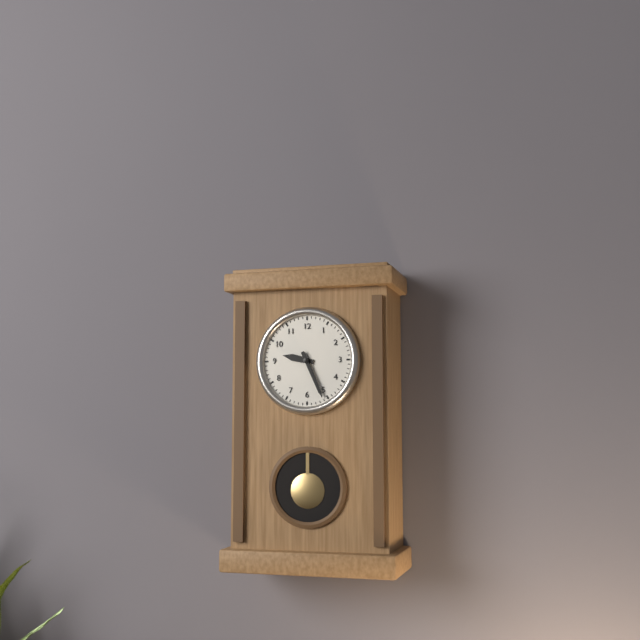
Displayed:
h=9 m=26
